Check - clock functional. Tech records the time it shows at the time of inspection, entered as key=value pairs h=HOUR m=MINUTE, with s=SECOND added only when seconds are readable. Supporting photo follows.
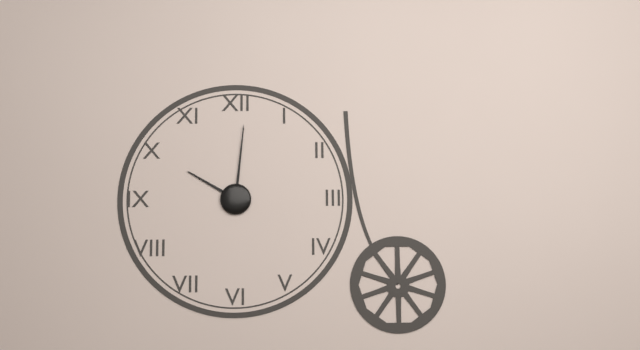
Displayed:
h=10 m=1
